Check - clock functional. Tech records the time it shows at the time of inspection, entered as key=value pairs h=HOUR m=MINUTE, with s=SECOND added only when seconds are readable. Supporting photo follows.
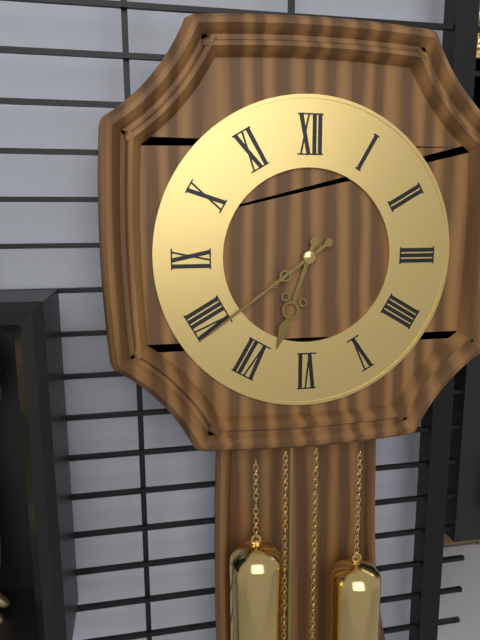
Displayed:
h=6 m=39
